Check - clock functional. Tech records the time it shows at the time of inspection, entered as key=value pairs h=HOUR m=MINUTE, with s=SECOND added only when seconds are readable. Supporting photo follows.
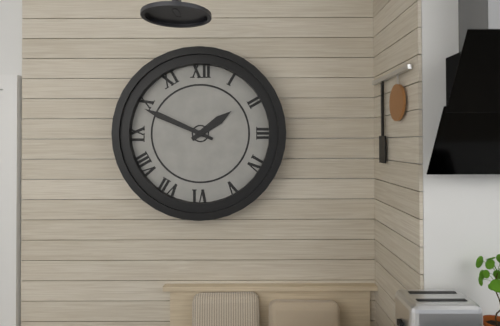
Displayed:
h=1 m=49
